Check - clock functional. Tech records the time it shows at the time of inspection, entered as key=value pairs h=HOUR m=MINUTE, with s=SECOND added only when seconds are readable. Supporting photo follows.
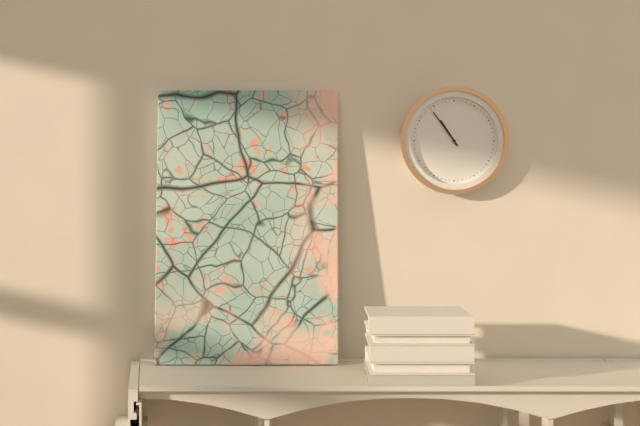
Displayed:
h=10 m=54
